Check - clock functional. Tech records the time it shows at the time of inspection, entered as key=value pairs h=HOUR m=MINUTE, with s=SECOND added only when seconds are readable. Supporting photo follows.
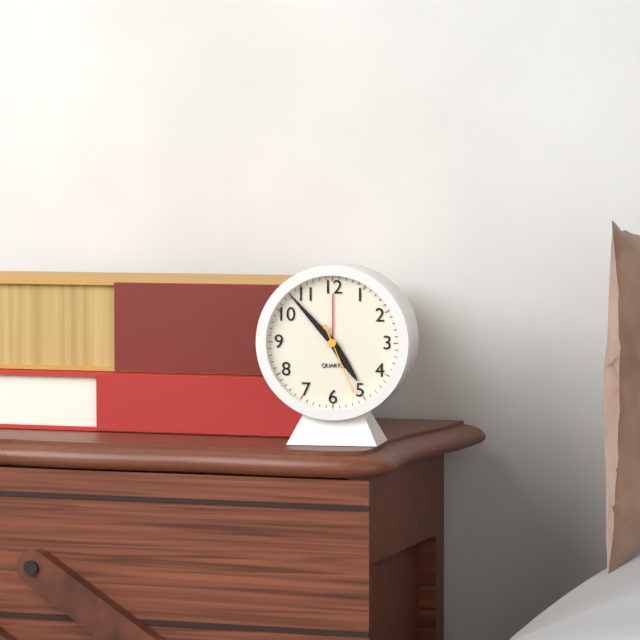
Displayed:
h=4 m=53 s=26
